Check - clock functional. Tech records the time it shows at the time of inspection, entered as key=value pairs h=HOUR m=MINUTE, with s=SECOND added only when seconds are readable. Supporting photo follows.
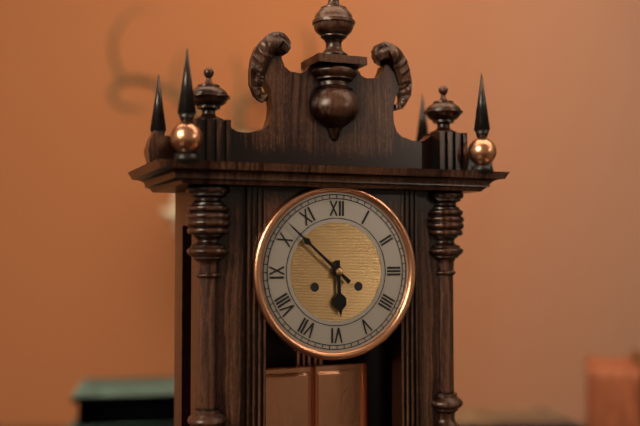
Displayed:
h=5 m=52
